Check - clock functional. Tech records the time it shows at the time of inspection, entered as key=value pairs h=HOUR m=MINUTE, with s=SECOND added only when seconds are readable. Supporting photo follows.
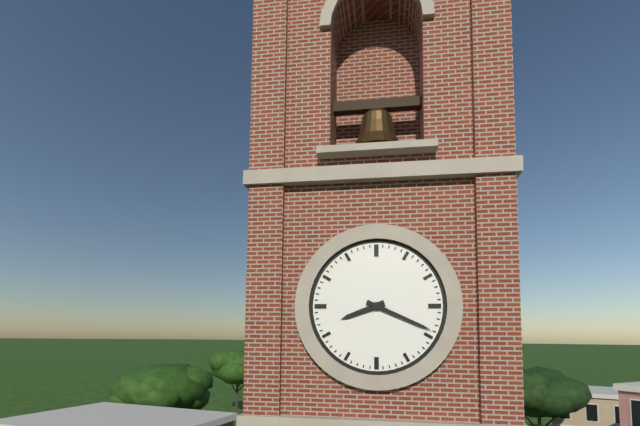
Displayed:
h=8 m=19
